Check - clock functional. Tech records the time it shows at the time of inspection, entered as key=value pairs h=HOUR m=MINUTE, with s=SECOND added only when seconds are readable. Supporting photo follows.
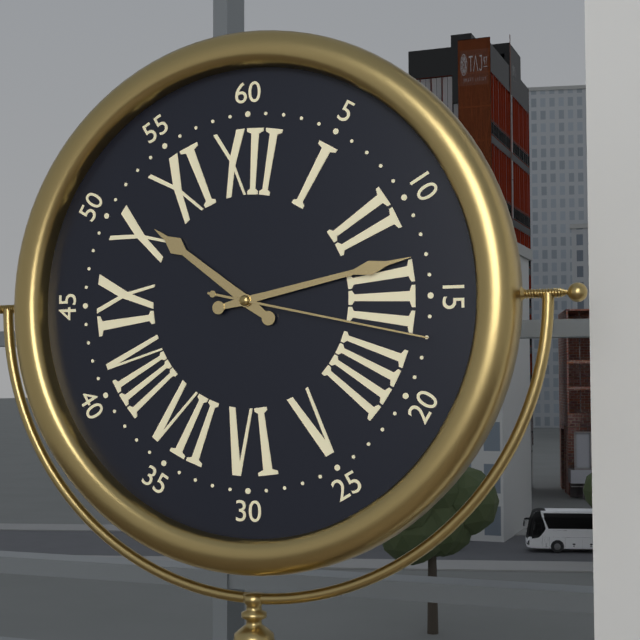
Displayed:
h=10 m=13 s=17
